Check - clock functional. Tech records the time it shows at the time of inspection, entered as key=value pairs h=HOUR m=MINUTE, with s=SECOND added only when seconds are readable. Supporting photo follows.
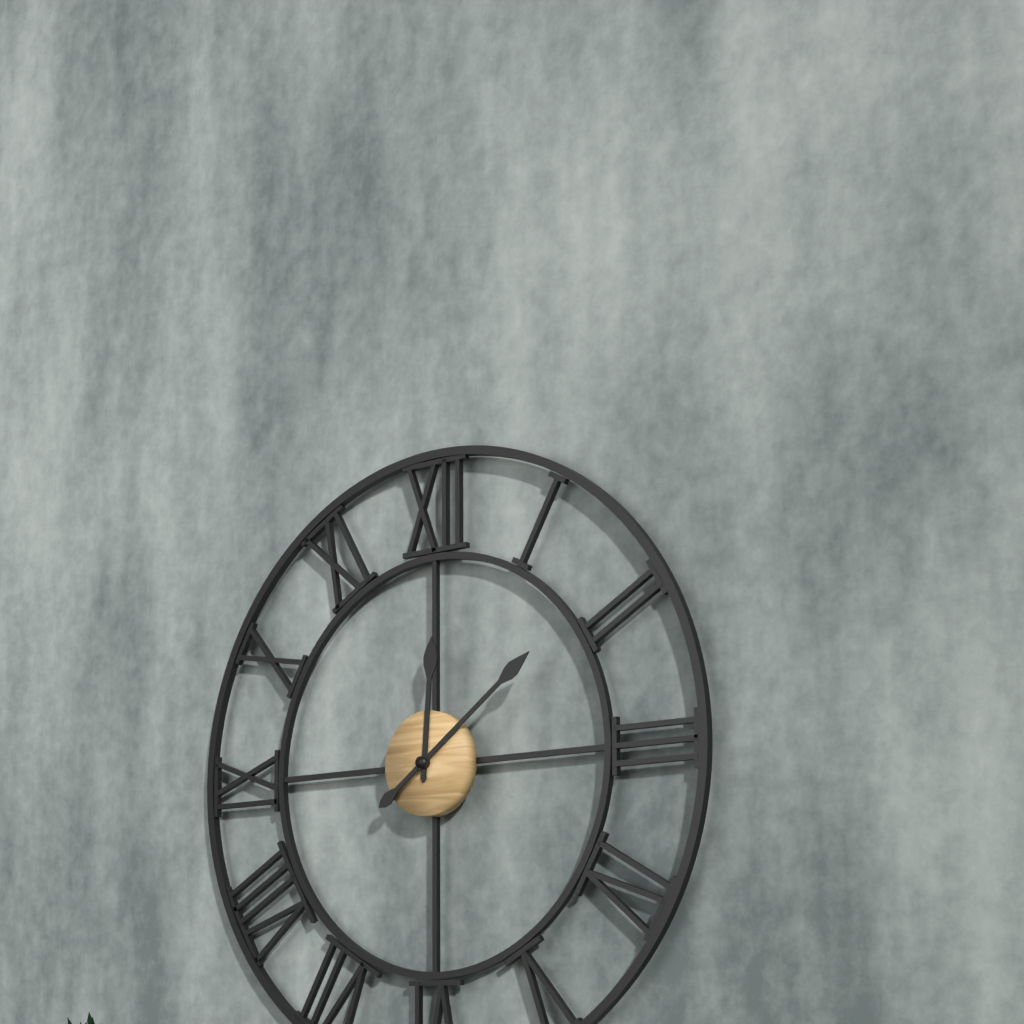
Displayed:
h=12 m=9
